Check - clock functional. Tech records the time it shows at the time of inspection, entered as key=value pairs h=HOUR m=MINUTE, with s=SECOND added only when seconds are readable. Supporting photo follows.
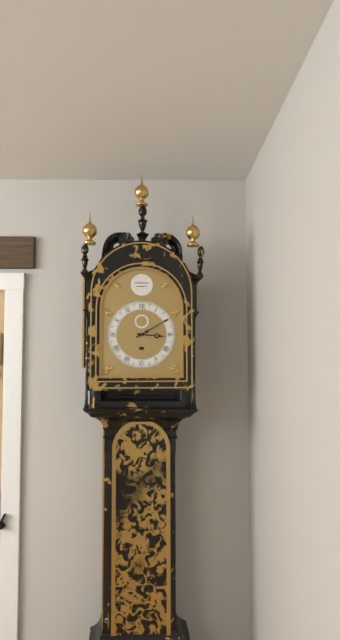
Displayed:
h=3 m=10
